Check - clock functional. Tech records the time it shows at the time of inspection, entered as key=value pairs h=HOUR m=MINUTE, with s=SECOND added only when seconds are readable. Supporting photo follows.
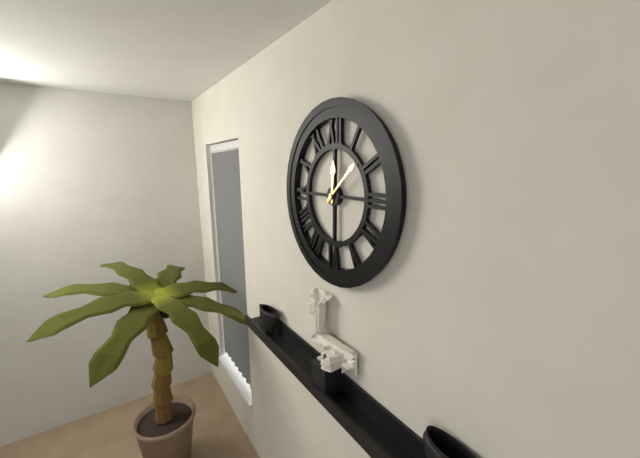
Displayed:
h=12 m=8
